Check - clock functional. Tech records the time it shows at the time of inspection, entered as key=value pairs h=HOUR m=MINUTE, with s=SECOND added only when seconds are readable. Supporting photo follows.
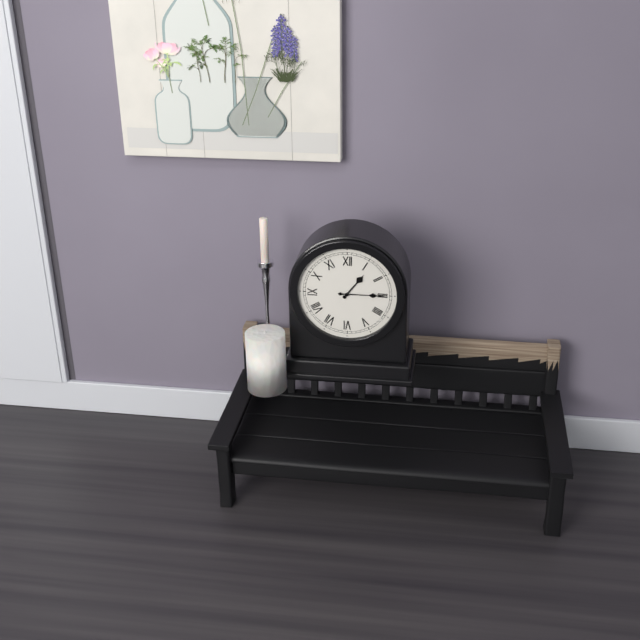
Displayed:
h=1 m=15
